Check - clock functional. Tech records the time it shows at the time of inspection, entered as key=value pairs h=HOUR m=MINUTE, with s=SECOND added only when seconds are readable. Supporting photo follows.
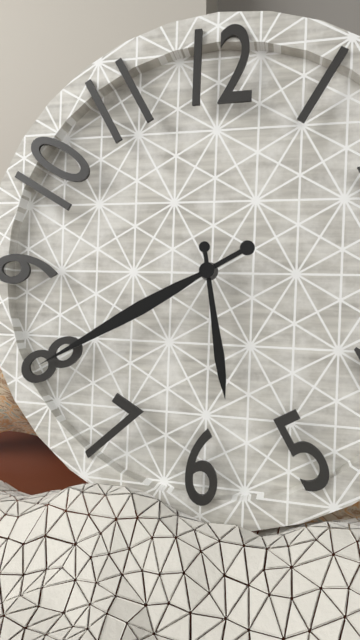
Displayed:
h=5 m=40
